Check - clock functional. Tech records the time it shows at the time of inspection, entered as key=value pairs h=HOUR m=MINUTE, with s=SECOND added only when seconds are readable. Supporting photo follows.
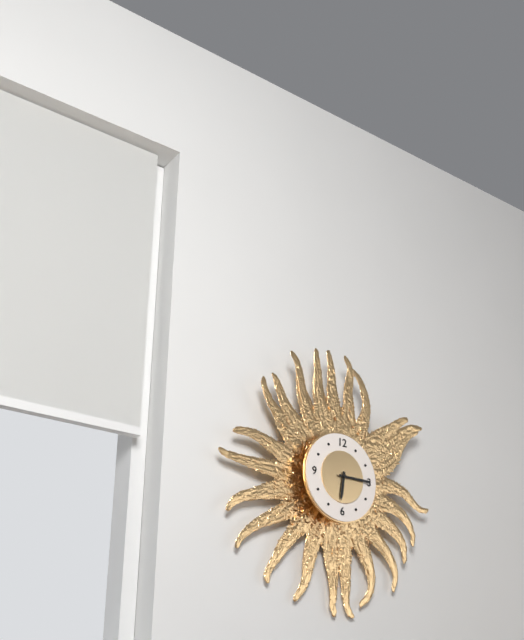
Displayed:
h=6 m=15
